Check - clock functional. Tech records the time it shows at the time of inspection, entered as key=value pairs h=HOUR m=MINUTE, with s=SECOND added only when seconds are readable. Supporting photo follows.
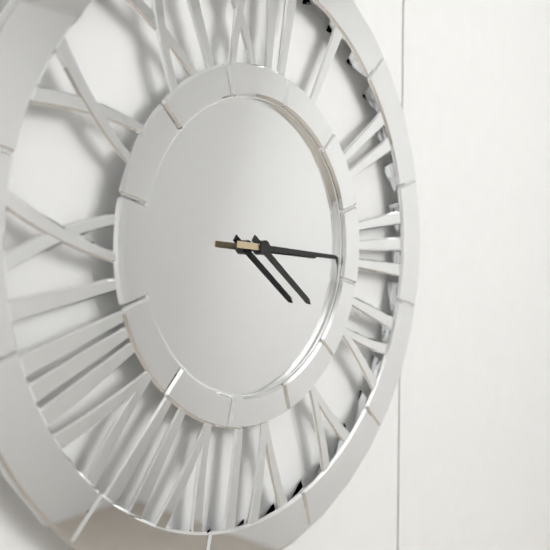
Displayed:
h=4 m=16
